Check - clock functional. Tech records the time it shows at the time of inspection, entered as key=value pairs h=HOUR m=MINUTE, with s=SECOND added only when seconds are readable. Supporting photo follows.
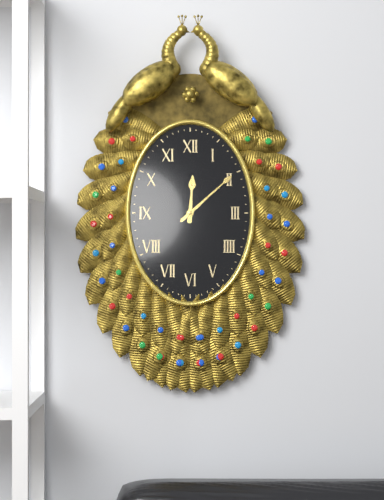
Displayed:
h=12 m=8
